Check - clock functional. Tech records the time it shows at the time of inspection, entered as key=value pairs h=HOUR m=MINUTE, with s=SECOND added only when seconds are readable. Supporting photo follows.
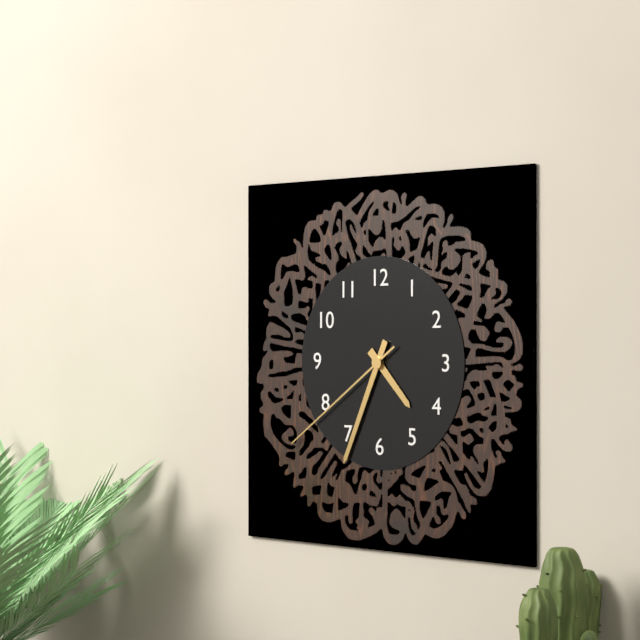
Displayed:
h=4 m=34 s=39
